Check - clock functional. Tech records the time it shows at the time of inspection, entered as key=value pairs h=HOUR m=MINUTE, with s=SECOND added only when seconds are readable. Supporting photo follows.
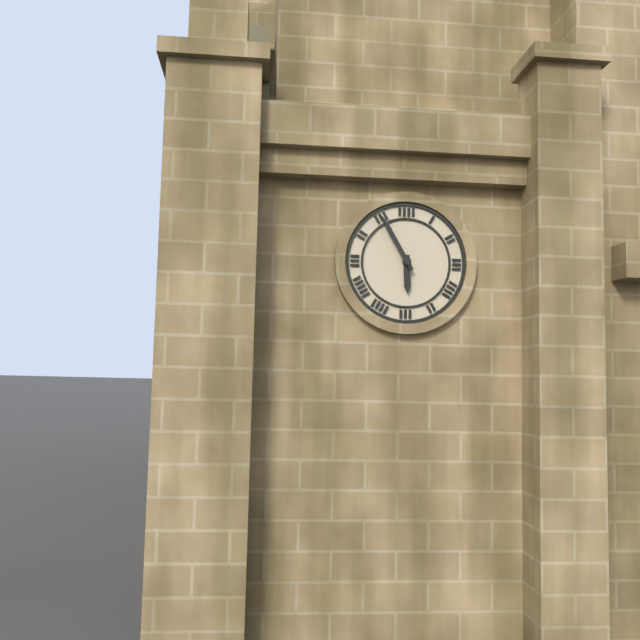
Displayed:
h=5 m=55
